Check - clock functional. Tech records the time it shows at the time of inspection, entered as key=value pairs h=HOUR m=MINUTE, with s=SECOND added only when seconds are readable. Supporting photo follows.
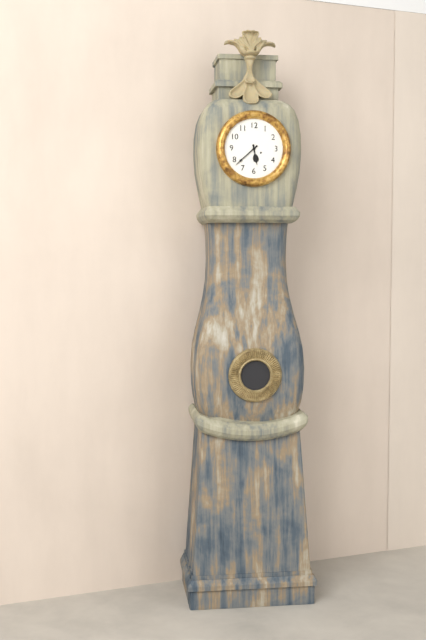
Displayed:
h=5 m=38
